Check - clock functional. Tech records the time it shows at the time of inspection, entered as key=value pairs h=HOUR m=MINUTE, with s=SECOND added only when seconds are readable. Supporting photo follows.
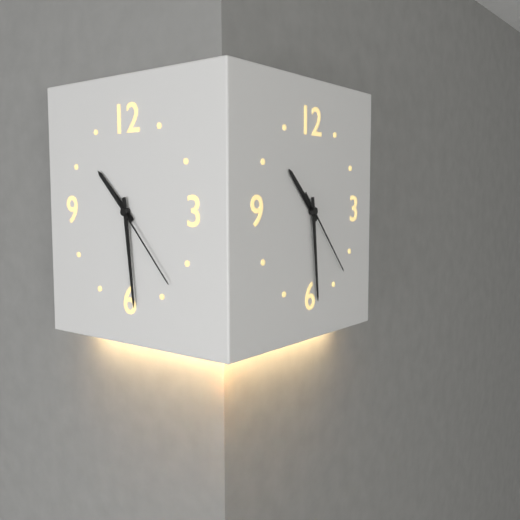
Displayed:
h=10 m=29 s=23
